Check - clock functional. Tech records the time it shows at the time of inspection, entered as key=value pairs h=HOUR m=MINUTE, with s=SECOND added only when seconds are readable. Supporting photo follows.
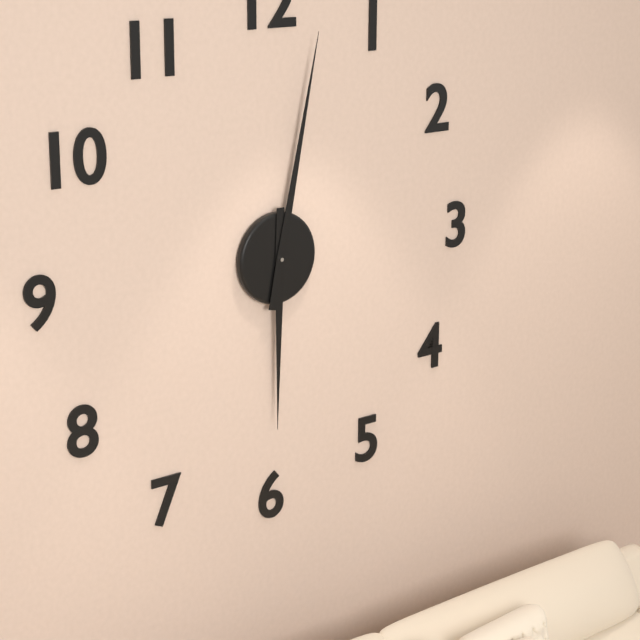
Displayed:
h=6 m=2
